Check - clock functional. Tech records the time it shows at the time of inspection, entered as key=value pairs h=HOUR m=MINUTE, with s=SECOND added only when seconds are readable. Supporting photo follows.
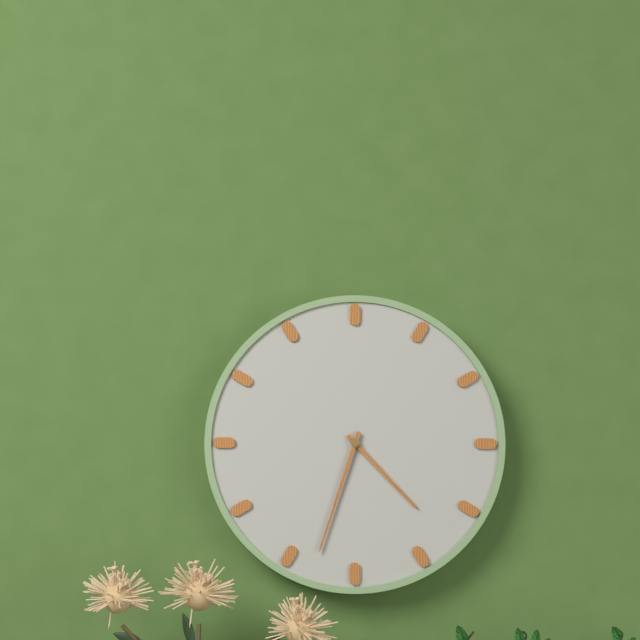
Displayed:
h=4 m=33
